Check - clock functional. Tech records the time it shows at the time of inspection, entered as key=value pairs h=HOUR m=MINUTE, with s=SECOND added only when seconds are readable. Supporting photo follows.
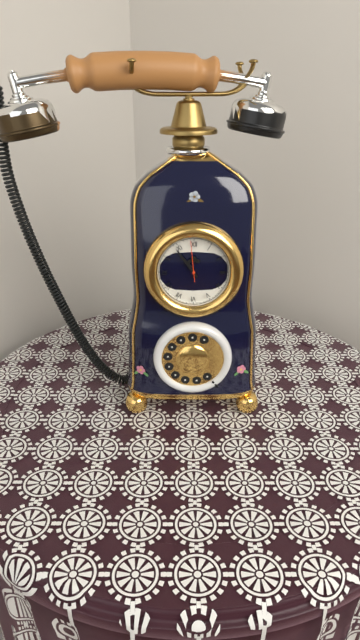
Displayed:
h=10 m=54
